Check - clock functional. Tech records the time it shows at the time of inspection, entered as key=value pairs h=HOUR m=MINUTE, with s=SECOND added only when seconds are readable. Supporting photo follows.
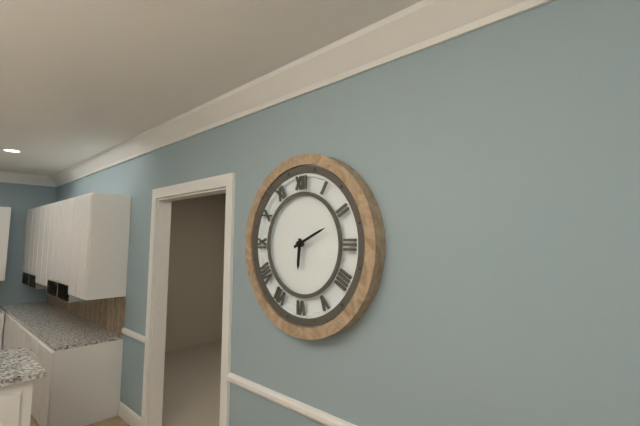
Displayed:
h=6 m=11
